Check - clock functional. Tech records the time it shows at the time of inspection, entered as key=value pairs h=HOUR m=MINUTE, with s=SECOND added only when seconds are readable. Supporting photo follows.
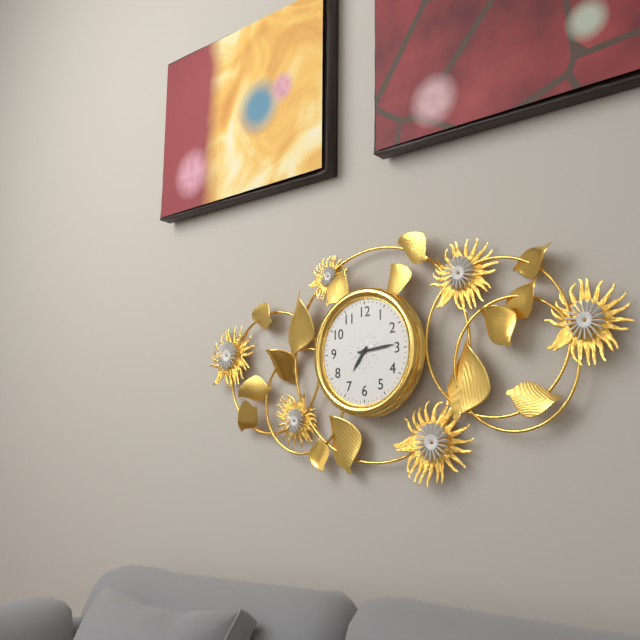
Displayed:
h=7 m=14
